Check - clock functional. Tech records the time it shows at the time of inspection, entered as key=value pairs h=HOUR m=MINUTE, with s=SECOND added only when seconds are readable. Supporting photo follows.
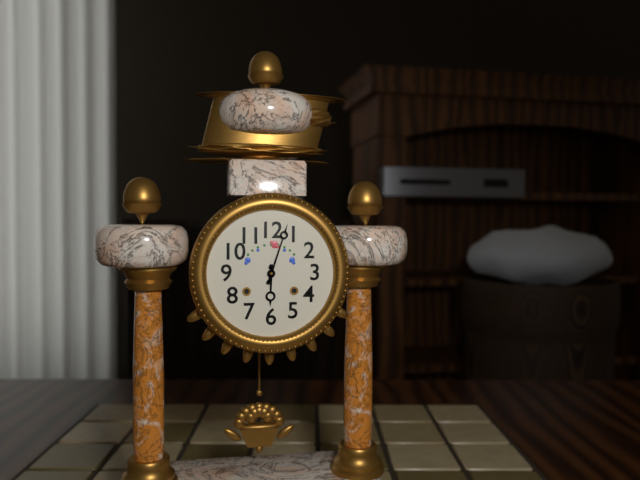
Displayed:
h=6 m=3
